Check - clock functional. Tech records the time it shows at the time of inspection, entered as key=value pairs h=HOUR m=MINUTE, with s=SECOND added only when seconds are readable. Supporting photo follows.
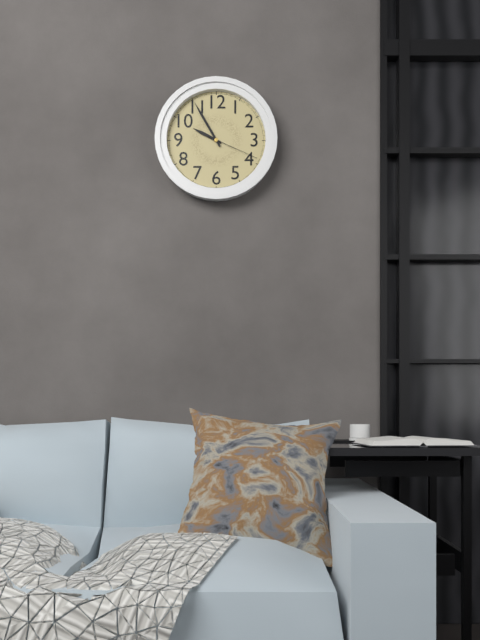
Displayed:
h=9 m=55 s=19
